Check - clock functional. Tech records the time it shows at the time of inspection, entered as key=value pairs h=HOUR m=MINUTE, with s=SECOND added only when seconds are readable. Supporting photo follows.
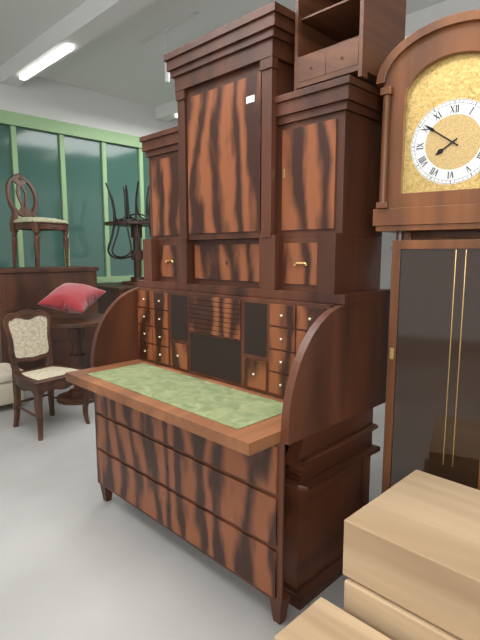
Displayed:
h=7 m=51
